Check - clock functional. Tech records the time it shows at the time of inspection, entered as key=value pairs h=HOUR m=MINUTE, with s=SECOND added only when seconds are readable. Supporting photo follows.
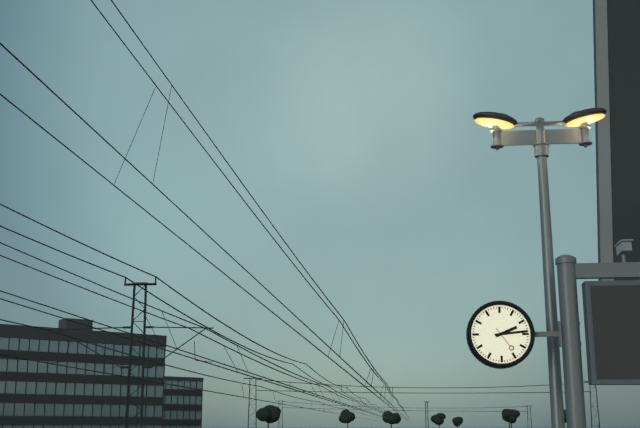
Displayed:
h=2 m=14
